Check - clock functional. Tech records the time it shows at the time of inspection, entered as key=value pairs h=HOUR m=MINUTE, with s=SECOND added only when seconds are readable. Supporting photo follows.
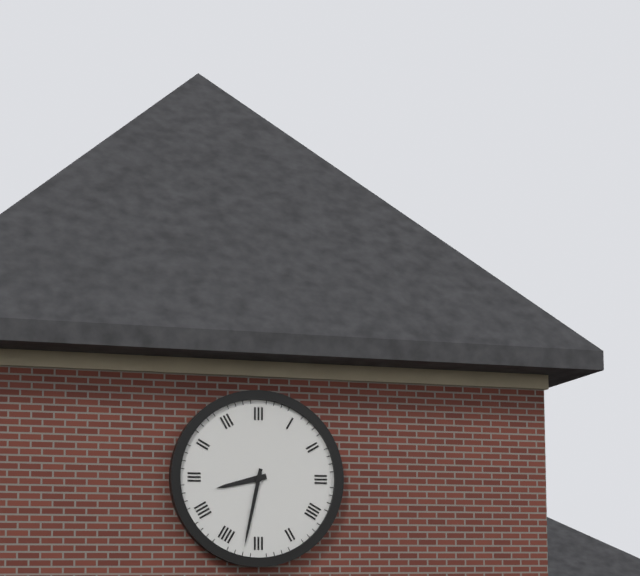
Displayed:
h=8 m=32
